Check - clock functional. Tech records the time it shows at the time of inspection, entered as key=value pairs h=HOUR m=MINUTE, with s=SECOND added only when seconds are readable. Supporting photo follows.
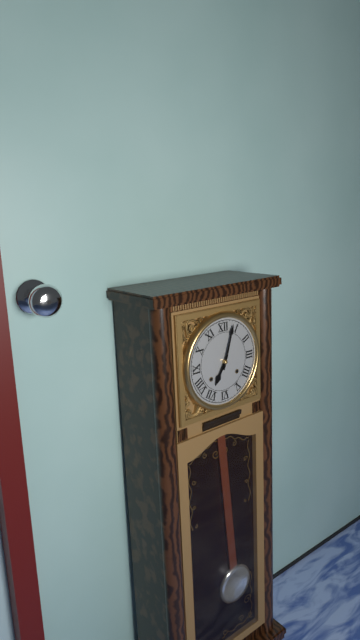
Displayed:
h=7 m=3
